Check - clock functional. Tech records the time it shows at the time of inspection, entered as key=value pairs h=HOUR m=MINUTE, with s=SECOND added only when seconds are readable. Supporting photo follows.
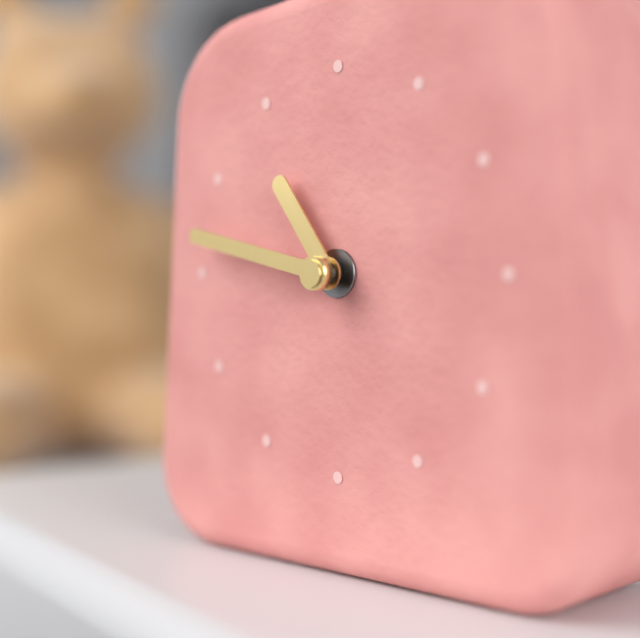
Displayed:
h=10 m=47
